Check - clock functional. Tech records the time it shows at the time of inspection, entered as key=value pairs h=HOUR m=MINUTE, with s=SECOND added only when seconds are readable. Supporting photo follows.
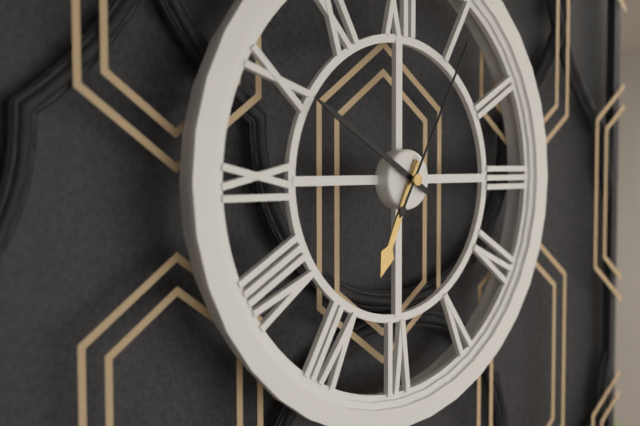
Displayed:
h=6 m=50 s=5
